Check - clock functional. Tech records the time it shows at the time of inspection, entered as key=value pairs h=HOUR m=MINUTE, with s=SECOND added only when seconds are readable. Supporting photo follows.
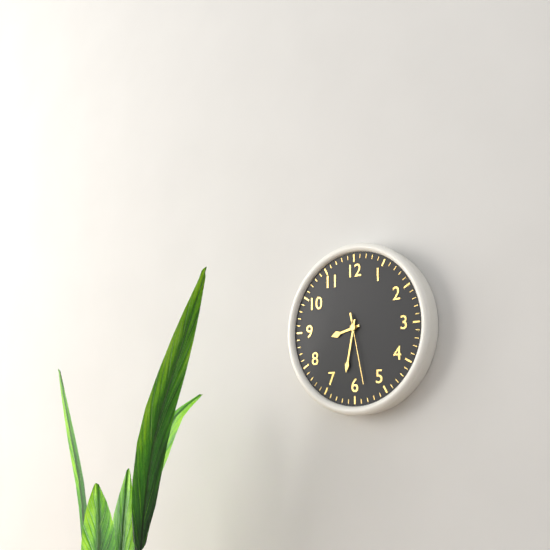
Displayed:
h=8 m=32 s=28
